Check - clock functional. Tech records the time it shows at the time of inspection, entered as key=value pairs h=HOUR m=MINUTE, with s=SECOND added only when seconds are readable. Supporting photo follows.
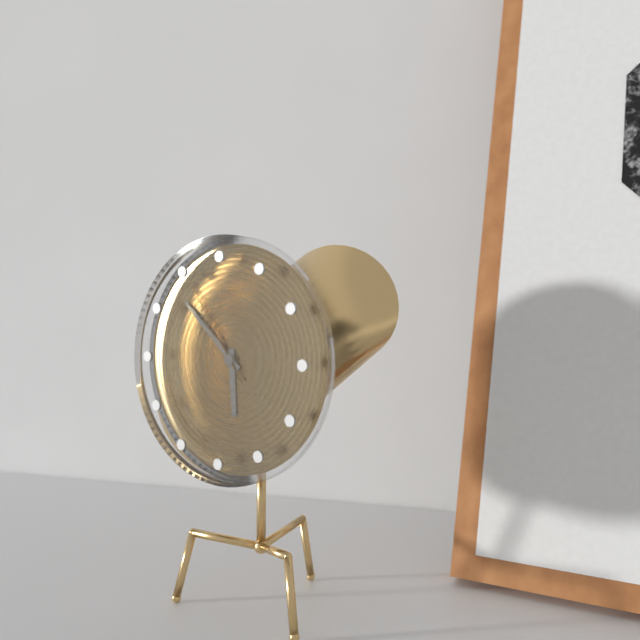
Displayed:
h=5 m=52 s=54
